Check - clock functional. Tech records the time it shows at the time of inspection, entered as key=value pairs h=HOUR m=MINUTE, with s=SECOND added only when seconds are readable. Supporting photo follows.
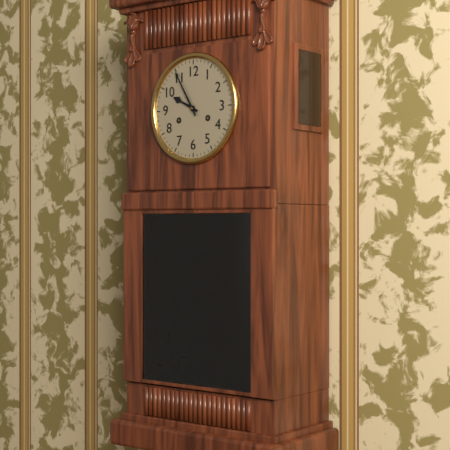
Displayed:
h=9 m=55
